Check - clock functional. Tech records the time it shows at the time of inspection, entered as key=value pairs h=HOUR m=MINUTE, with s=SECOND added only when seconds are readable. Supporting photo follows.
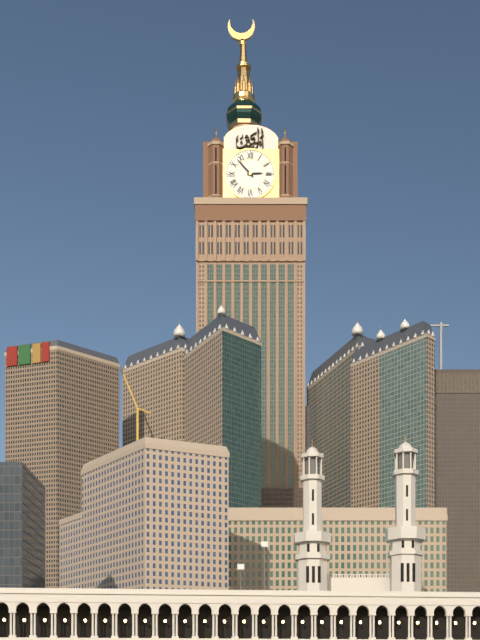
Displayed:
h=2 m=53
